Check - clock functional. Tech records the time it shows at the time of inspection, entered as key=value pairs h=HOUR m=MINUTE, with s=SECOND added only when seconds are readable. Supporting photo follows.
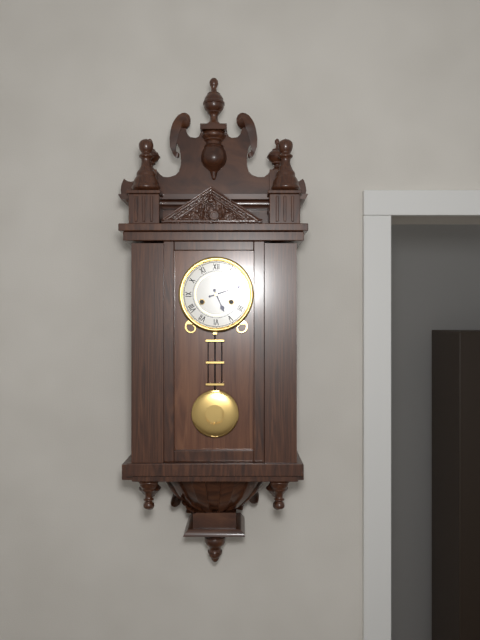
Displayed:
h=5 m=12
